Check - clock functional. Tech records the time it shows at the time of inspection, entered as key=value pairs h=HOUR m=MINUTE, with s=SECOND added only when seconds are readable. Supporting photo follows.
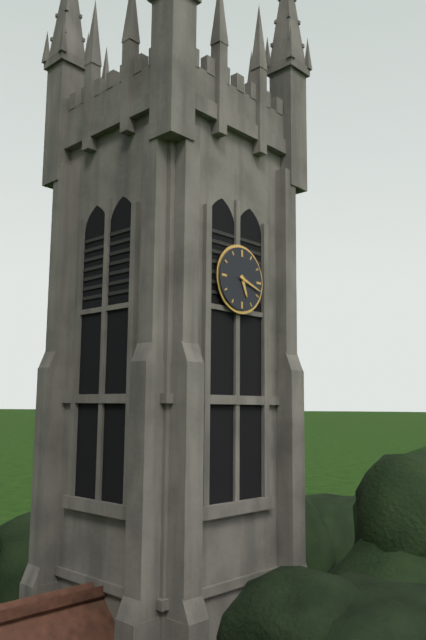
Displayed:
h=5 m=18
